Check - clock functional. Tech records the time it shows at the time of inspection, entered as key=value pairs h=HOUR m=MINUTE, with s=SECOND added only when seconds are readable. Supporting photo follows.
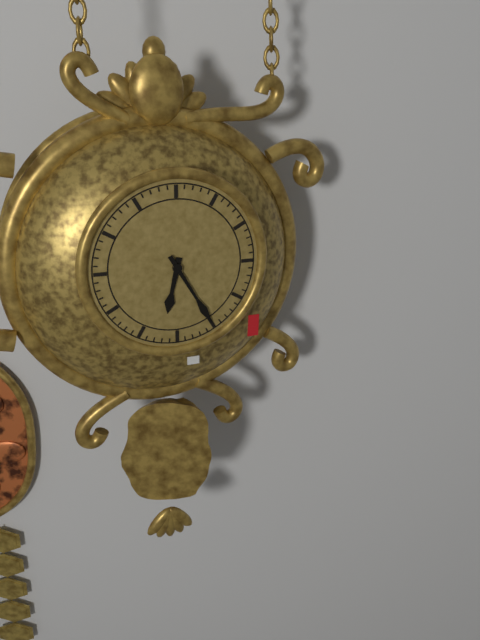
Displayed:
h=6 m=25
